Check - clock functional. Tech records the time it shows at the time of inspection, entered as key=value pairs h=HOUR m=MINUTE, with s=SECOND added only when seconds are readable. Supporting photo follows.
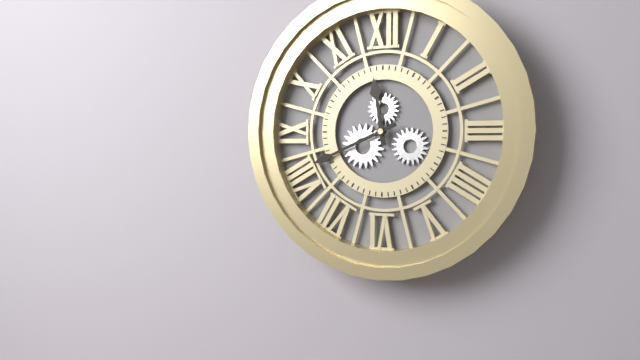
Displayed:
h=11 m=41
